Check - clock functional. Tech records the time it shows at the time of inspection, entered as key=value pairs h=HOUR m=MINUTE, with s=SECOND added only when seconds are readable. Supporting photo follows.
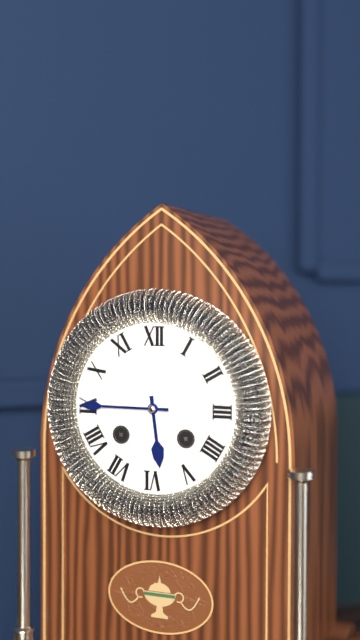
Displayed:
h=5 m=45
